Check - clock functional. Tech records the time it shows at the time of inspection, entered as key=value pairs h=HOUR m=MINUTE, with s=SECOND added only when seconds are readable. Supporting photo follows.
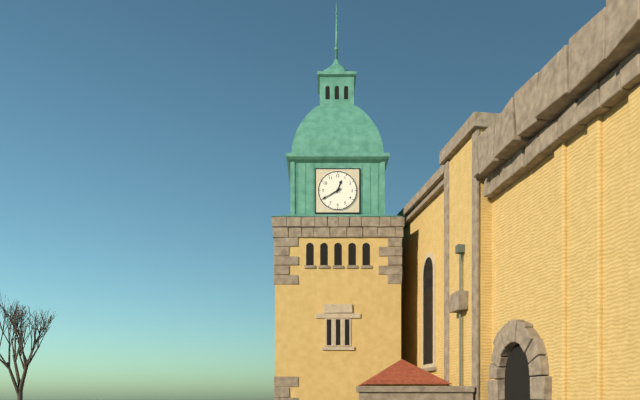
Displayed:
h=12 m=40
